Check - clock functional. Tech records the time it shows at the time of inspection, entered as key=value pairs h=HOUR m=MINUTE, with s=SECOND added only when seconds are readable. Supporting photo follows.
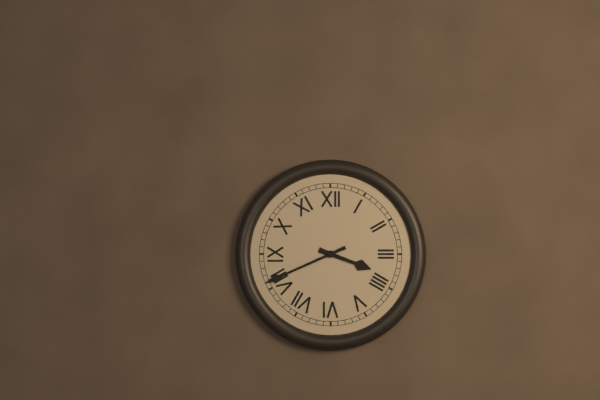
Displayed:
h=3 m=41
